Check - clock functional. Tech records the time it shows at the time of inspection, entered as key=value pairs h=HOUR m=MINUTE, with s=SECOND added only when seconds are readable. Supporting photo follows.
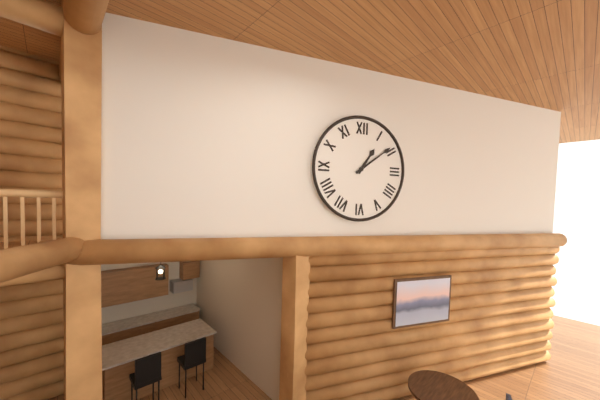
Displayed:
h=1 m=9
